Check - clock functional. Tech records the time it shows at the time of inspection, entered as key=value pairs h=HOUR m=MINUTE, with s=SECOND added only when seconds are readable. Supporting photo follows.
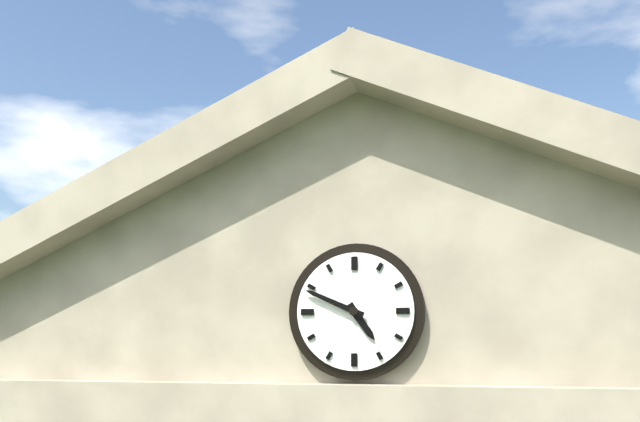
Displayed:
h=4 m=49
